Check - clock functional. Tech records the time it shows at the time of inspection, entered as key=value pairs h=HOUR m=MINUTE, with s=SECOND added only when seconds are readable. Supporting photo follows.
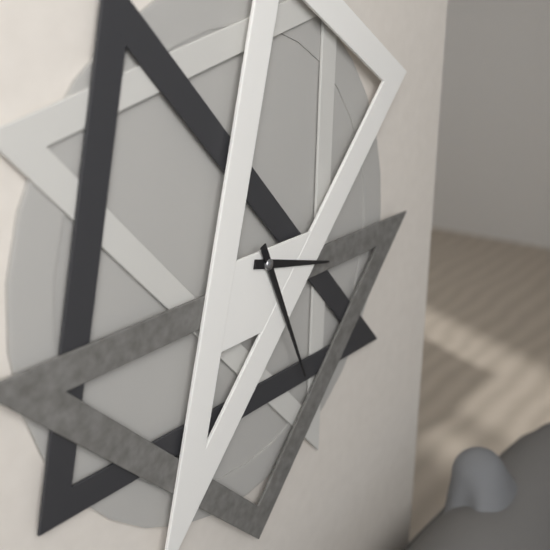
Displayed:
h=3 m=26
